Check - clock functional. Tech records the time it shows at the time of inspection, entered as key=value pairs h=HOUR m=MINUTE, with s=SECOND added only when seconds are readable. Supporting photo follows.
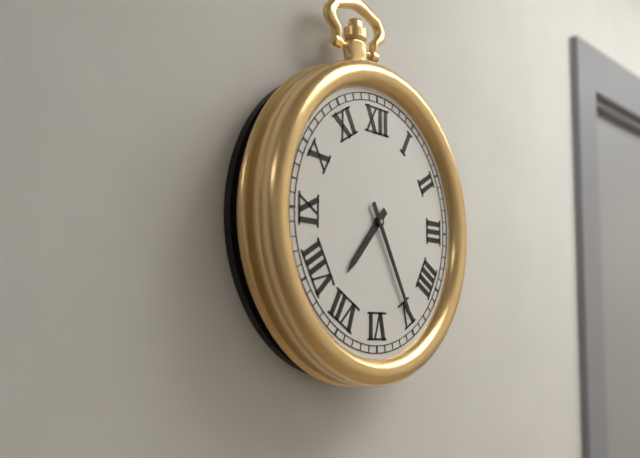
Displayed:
h=7 m=25
